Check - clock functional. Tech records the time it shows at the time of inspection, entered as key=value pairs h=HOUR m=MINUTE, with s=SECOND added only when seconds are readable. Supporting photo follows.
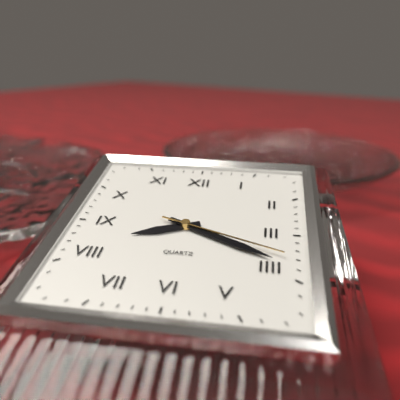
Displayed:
h=8 m=19 s=18
